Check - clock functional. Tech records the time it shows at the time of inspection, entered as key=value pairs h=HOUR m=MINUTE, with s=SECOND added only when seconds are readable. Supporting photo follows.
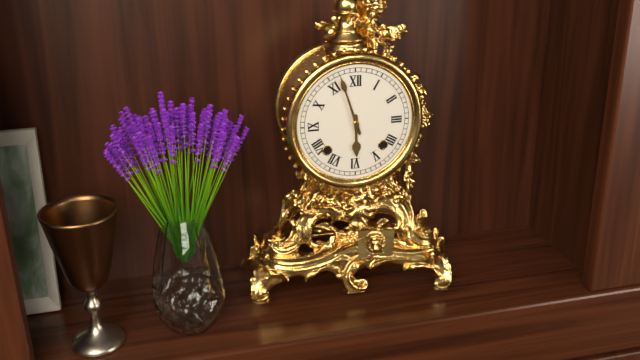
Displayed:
h=5 m=57
